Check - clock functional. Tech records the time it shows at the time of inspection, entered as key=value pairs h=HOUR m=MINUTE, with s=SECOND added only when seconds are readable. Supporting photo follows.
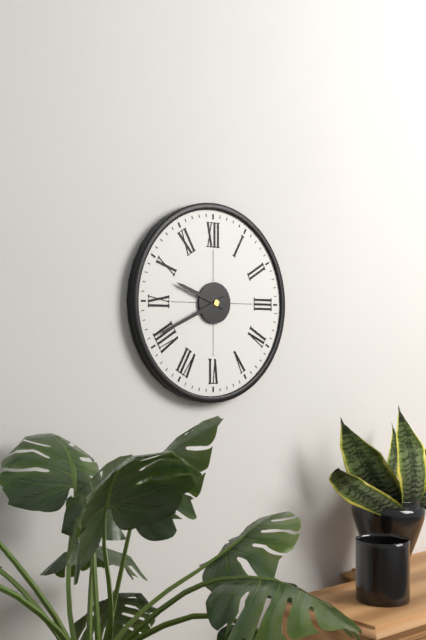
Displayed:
h=9 m=41
